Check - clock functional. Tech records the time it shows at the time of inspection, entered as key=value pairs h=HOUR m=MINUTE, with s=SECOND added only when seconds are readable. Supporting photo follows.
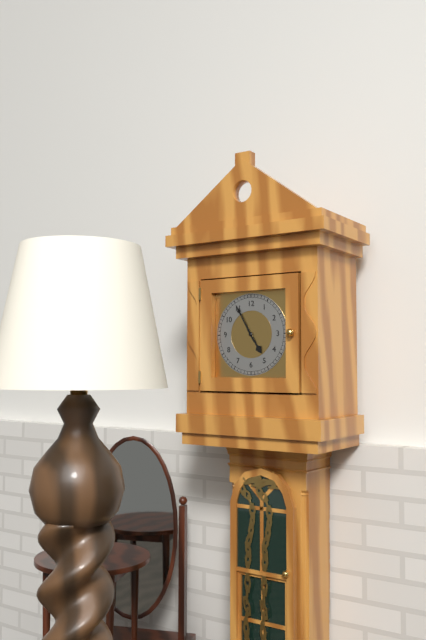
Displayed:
h=4 m=55
